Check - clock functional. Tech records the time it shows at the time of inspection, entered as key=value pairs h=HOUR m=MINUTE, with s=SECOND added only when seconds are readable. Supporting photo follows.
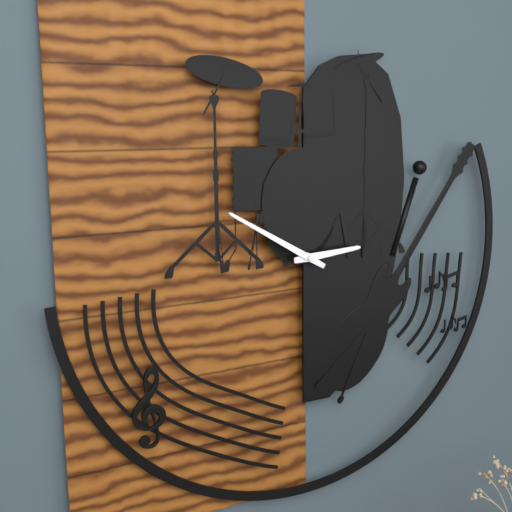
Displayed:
h=2 m=50
